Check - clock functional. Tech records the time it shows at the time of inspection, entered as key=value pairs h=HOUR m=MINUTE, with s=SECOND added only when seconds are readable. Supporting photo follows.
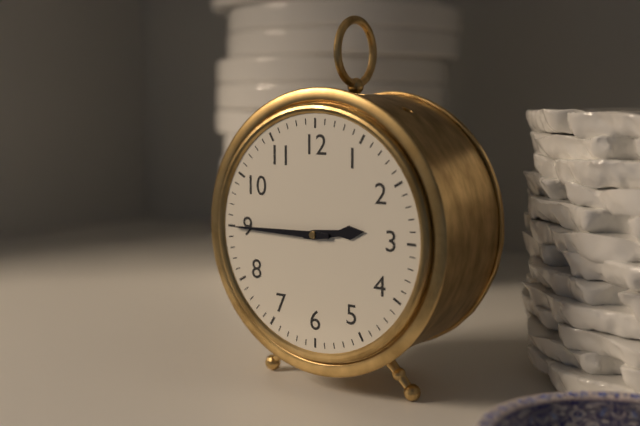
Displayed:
h=2 m=45
